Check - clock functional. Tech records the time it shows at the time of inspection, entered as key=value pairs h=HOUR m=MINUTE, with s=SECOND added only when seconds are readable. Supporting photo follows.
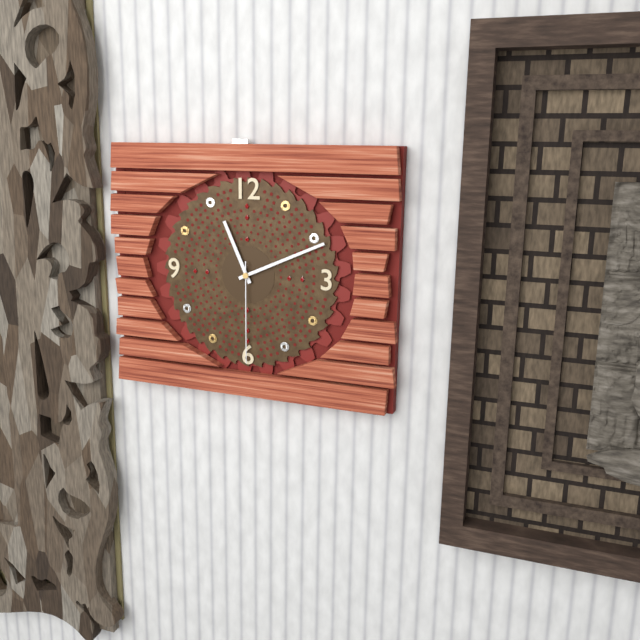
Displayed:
h=11 m=11 s=30
